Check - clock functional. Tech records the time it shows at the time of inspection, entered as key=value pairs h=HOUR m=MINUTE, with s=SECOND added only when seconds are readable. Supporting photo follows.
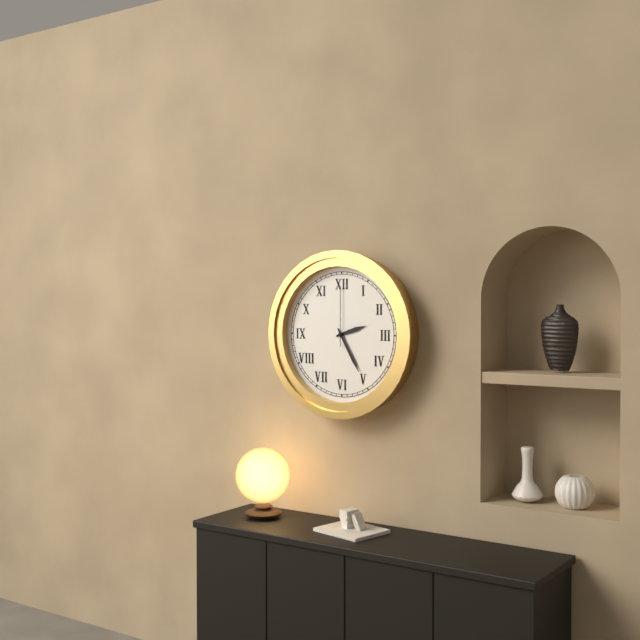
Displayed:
h=2 m=25 s=0
